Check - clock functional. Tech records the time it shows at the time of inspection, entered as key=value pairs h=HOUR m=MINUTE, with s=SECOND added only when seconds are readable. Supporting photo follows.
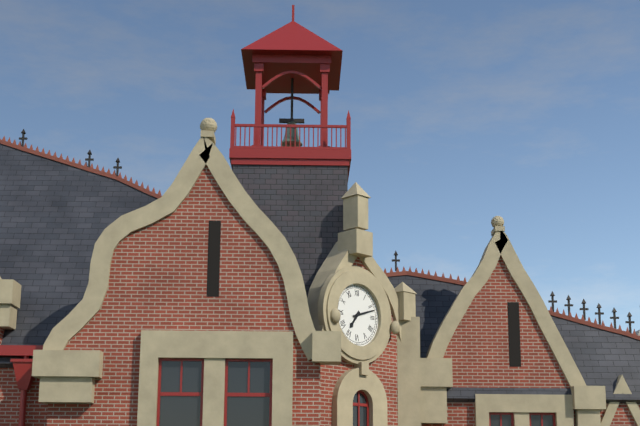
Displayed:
h=7 m=12
